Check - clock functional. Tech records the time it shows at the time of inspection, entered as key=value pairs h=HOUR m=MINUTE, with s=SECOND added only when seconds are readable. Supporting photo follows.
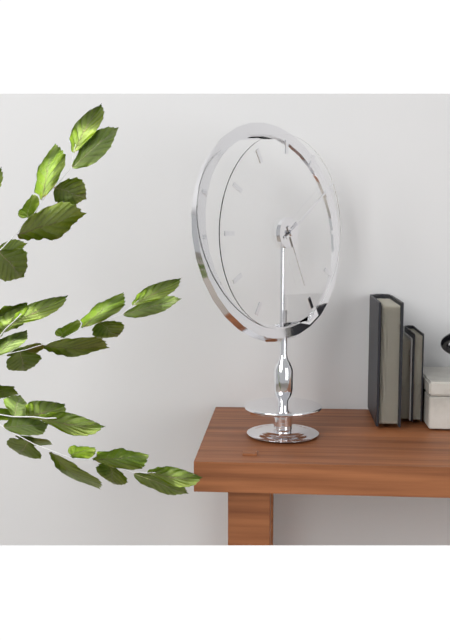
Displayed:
h=5 m=9
